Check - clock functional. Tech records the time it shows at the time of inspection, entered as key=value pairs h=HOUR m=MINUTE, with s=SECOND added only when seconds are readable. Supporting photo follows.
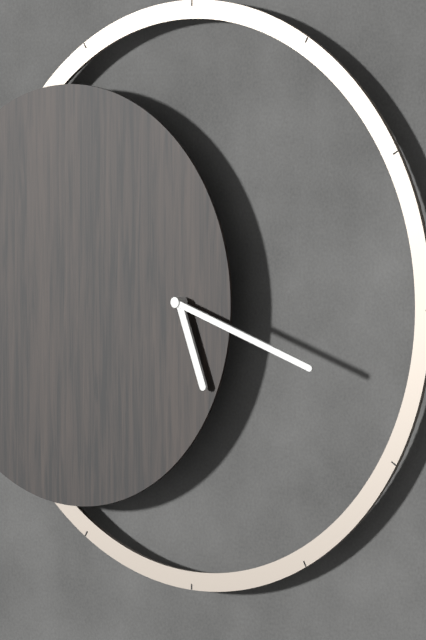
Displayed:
h=5 m=18
